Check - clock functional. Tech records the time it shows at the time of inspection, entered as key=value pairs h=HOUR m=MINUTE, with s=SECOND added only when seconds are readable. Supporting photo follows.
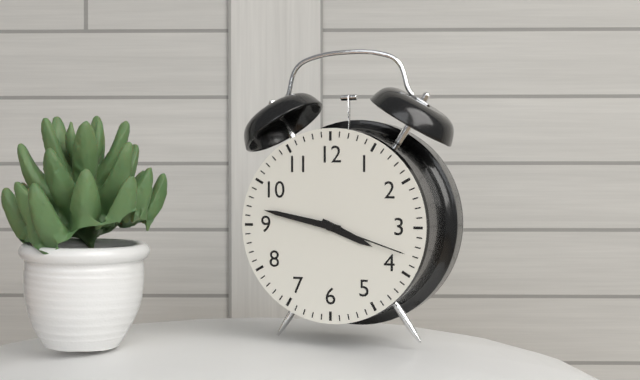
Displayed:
h=3 m=47 s=18
